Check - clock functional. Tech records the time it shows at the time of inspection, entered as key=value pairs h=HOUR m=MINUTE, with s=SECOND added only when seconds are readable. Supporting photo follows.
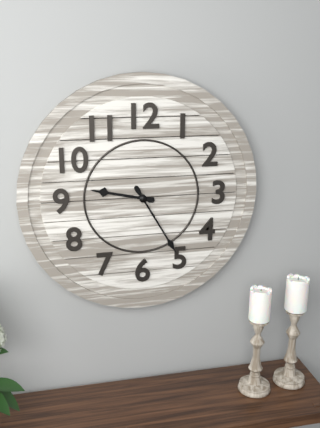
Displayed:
h=9 m=25
